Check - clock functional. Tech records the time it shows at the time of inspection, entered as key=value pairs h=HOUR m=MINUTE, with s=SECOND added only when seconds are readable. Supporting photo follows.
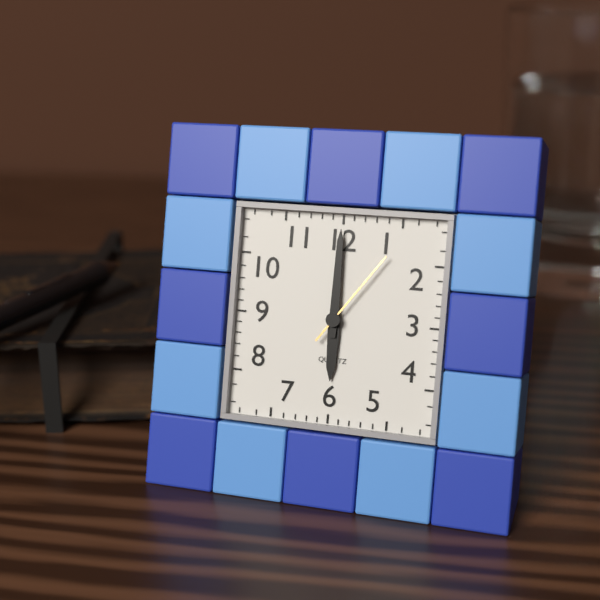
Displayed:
h=6 m=0 s=6
